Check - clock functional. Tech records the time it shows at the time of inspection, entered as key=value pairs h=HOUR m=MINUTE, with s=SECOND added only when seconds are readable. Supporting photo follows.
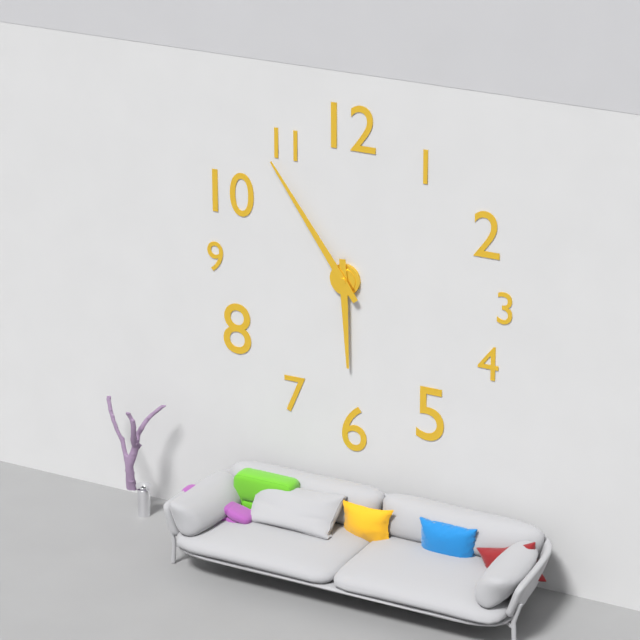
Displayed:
h=5 m=54
